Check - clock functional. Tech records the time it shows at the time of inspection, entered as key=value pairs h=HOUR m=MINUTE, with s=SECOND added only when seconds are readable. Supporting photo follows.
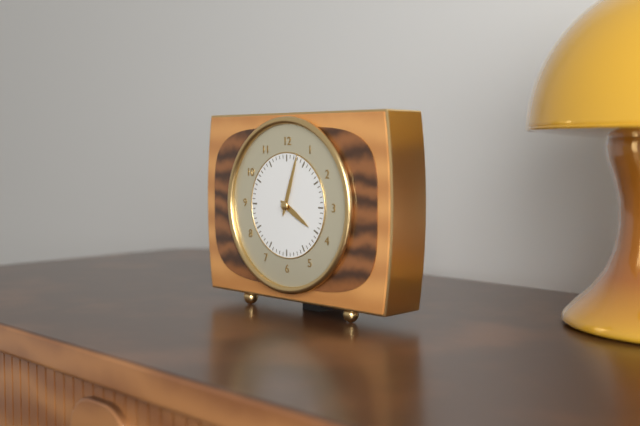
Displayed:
h=4 m=3
